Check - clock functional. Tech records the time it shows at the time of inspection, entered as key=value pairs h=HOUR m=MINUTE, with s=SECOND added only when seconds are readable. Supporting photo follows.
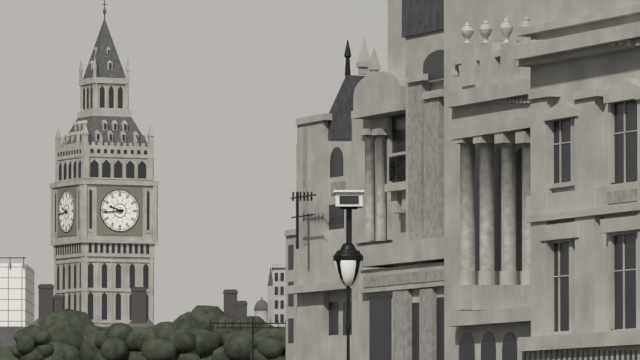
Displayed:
h=9 m=44
